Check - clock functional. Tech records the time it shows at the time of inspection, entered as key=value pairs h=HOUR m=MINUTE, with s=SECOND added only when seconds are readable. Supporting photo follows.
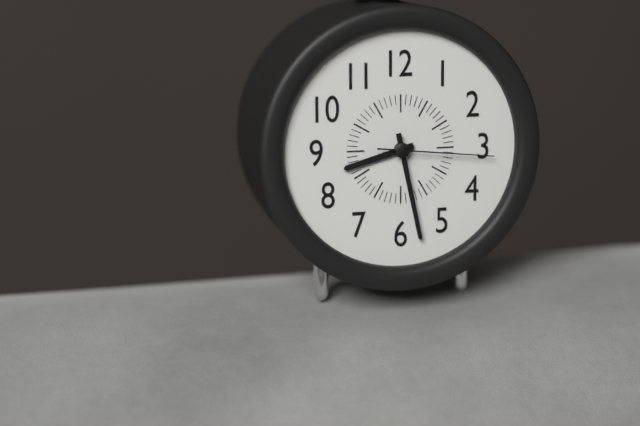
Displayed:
h=8 m=28 s=16
